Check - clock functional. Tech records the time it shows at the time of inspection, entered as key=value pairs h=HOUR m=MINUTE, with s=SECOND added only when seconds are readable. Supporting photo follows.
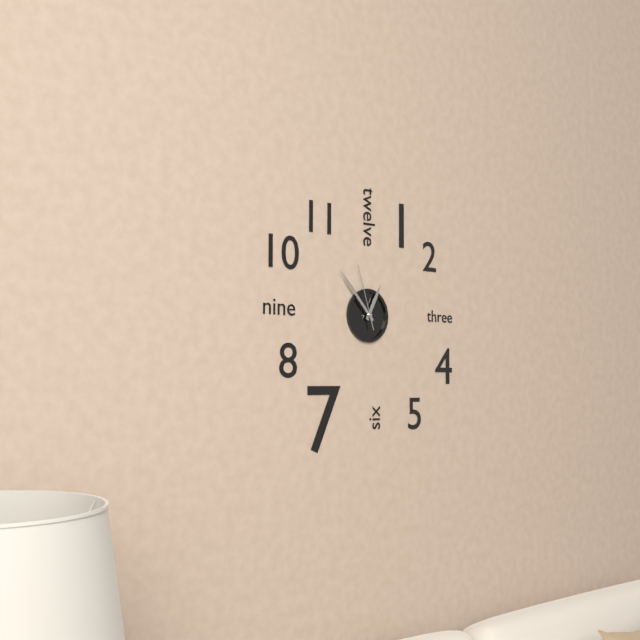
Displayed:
h=12 m=53 s=57
